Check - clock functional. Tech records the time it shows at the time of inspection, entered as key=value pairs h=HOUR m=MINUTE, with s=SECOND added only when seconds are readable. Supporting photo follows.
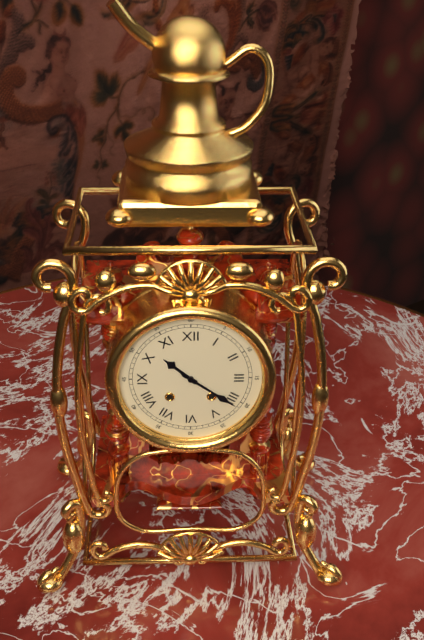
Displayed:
h=10 m=21
